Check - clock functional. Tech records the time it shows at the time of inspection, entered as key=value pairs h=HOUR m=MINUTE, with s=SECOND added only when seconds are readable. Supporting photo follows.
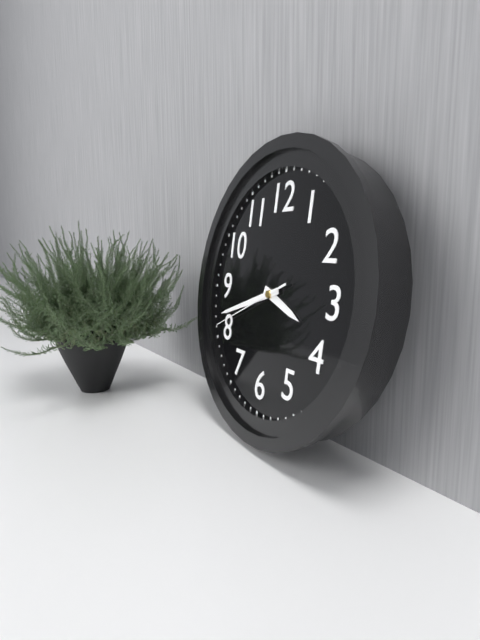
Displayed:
h=3 m=42 s=41
